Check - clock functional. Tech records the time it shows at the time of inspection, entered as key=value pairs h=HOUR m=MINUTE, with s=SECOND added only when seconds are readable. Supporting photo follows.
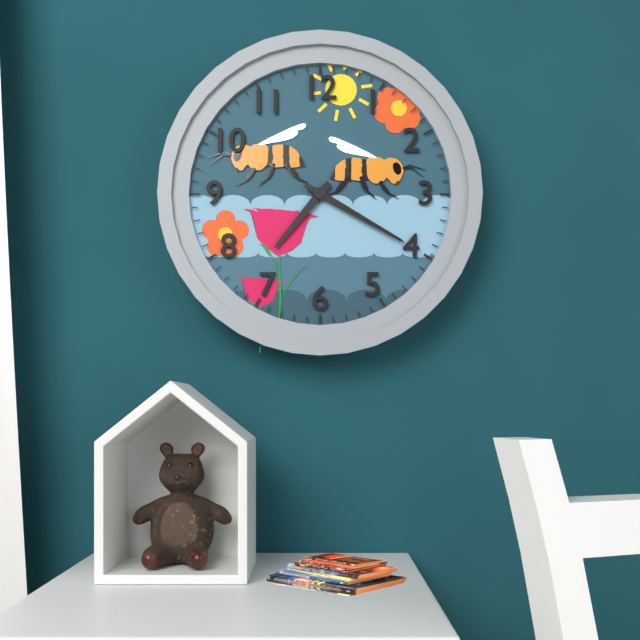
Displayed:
h=7 m=20
